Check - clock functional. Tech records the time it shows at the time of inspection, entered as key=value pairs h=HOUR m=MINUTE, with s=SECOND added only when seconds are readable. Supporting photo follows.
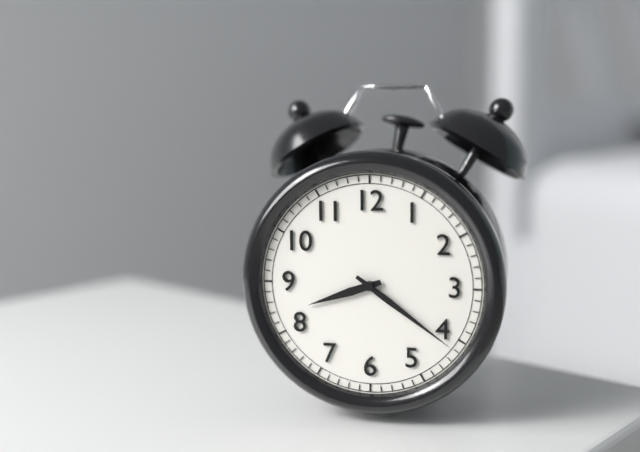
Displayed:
h=8 m=21
